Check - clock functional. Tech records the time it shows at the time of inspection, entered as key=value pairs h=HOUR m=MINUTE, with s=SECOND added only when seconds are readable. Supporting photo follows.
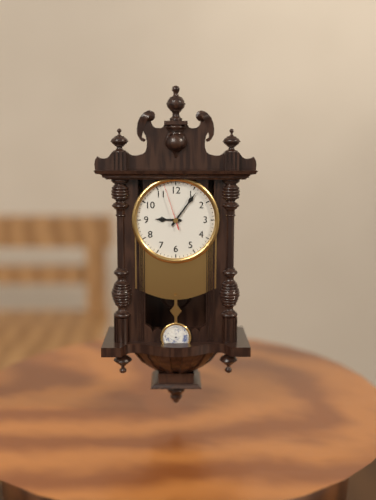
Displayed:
h=9 m=6
